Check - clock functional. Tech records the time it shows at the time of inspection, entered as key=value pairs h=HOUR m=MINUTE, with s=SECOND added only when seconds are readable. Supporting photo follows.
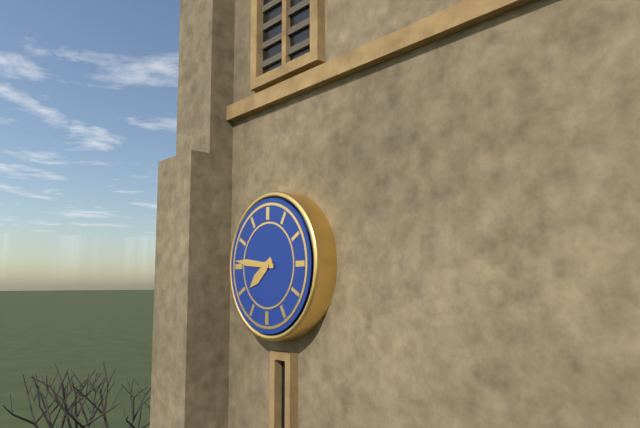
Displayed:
h=7 m=46
